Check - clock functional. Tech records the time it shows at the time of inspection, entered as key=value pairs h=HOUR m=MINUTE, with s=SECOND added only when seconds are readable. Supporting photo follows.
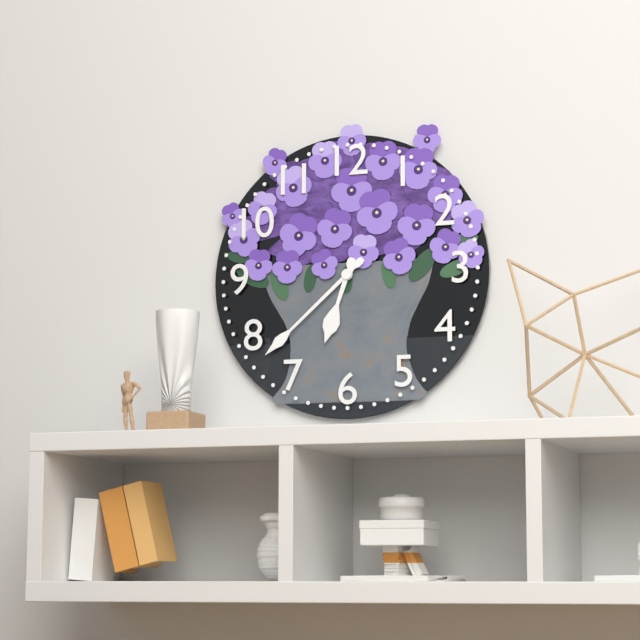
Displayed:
h=6 m=38
